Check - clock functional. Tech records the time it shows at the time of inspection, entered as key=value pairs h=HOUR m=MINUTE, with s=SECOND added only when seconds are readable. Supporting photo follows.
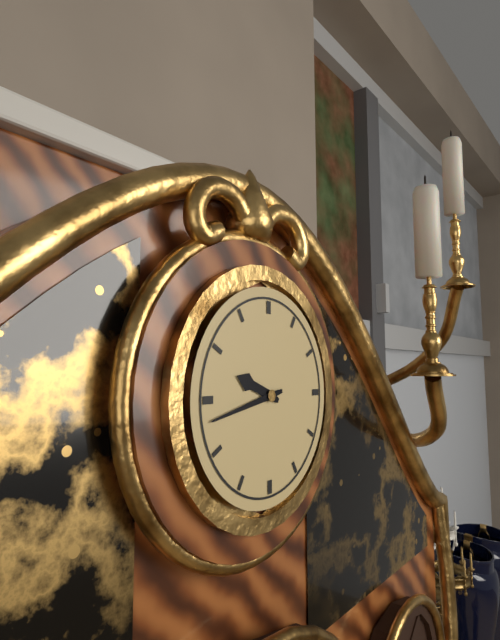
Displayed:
h=9 m=43
